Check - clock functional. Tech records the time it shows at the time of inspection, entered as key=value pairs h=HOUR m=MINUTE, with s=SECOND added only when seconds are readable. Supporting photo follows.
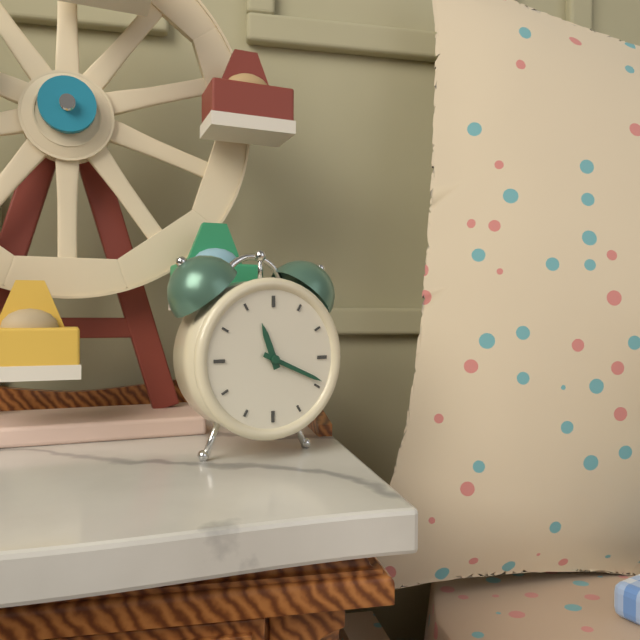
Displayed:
h=11 m=19
